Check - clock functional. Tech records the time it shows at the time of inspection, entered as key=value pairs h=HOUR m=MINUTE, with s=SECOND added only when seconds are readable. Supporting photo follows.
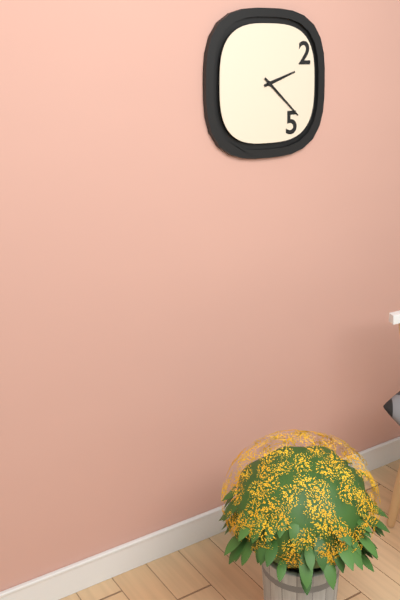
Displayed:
h=2 m=22
